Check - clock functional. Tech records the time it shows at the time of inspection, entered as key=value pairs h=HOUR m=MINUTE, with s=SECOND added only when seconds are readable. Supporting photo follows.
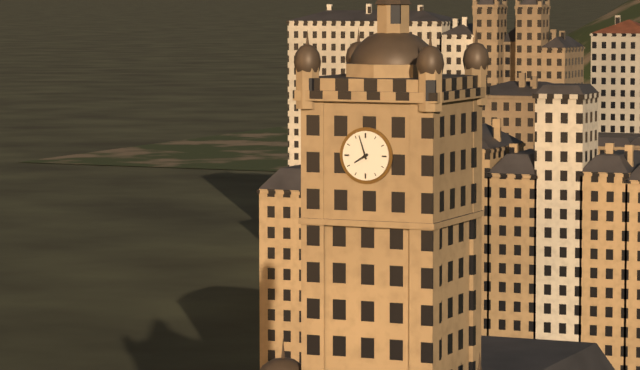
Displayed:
h=7 m=57
